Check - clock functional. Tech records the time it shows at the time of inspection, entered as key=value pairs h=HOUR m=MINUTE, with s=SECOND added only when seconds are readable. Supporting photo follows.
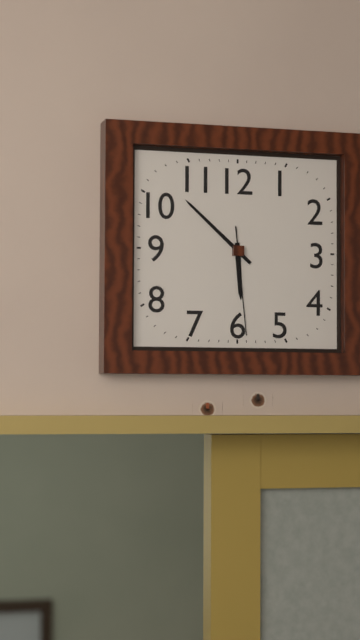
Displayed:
h=5 m=52 s=29
